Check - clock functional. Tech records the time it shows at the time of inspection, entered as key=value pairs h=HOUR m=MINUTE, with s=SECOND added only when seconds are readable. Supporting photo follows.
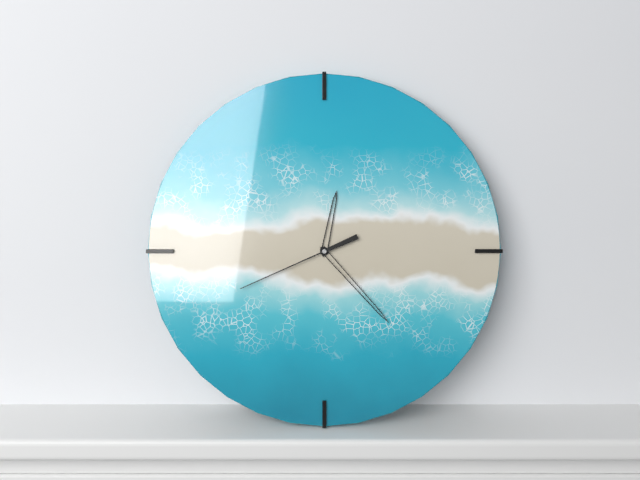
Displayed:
h=12 m=23 s=41
